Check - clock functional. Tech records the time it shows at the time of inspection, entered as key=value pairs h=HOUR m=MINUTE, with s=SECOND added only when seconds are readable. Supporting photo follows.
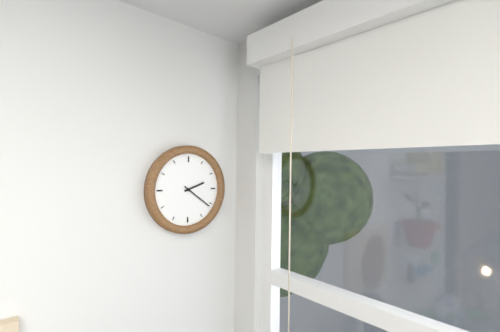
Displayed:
h=2 m=21
